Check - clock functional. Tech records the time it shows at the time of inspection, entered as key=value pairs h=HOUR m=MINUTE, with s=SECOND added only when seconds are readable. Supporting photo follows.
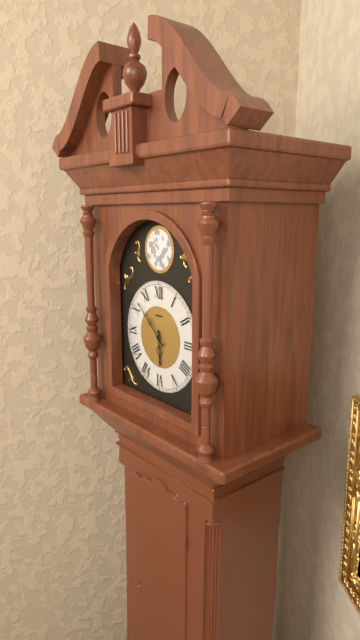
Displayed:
h=5 m=52
